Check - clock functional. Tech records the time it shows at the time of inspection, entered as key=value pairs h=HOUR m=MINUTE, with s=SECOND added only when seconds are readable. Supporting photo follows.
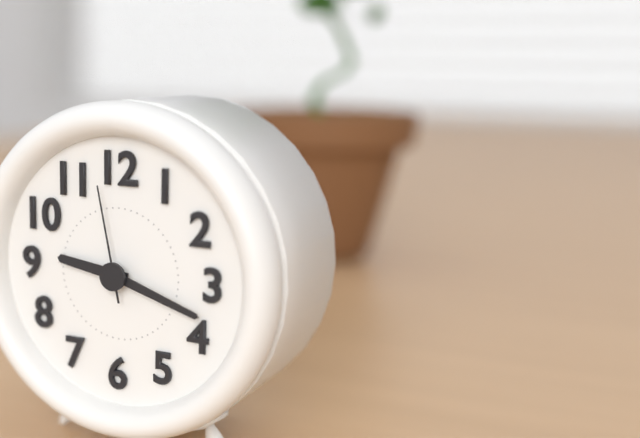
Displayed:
h=9 m=18 s=58
